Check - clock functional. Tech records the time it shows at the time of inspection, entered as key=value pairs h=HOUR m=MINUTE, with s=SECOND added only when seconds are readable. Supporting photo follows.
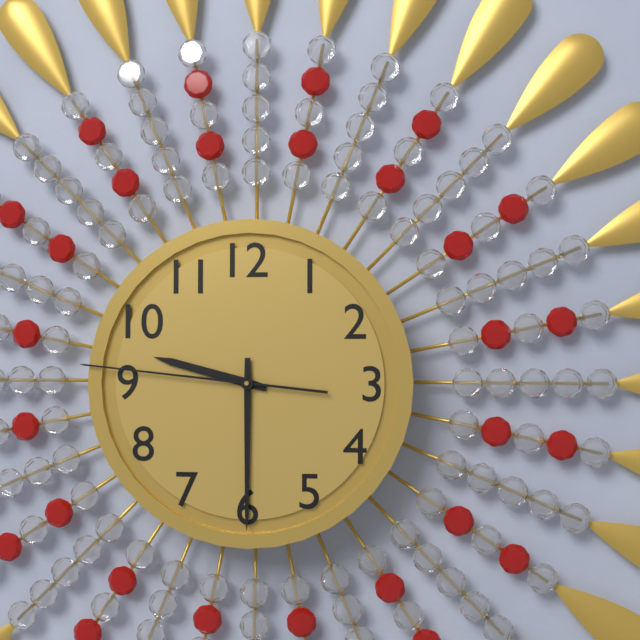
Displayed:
h=9 m=30 s=46
